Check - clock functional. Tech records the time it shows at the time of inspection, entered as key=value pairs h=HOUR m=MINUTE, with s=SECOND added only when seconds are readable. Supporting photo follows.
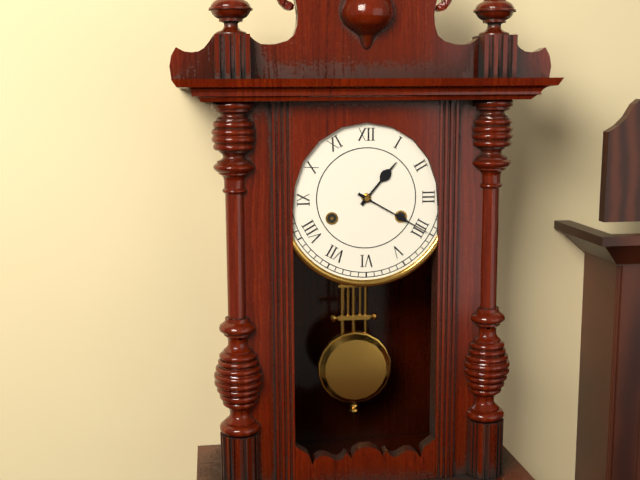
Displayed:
h=1 m=20
